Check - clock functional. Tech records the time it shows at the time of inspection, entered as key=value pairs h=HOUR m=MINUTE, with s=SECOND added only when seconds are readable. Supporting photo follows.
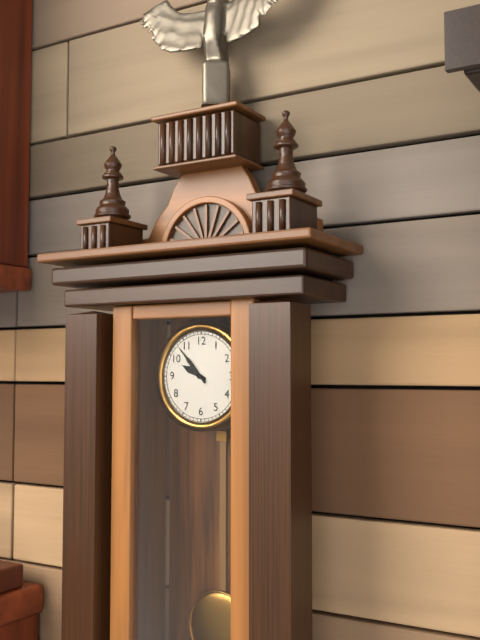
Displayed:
h=9 m=53
